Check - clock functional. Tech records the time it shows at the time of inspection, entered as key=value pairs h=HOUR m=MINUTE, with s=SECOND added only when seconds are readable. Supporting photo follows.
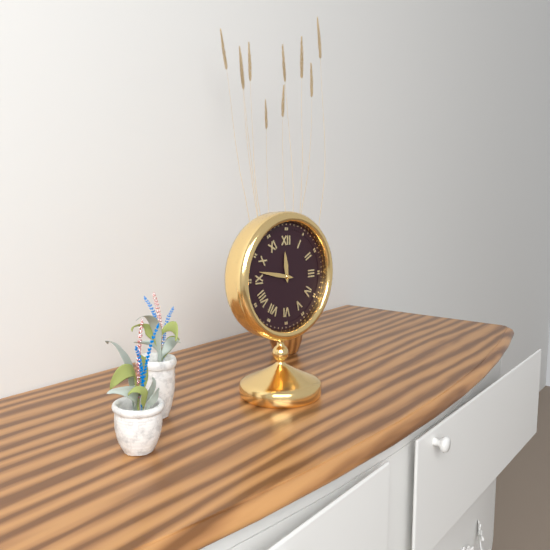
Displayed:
h=11 m=47
